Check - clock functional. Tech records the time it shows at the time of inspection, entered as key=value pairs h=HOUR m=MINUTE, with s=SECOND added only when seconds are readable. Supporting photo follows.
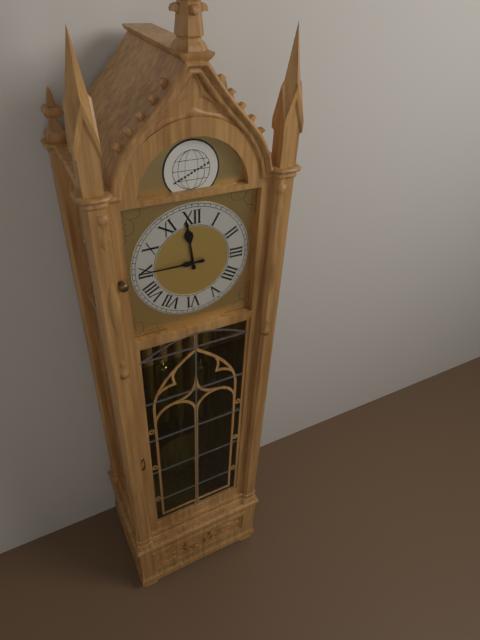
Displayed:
h=11 m=45
